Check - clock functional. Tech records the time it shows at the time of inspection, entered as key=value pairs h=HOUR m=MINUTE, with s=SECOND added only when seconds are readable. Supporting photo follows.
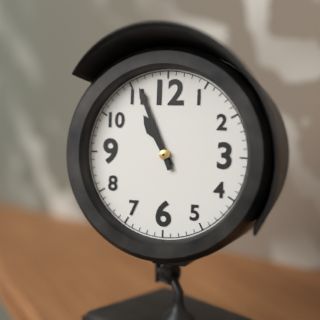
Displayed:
h=10 m=56
